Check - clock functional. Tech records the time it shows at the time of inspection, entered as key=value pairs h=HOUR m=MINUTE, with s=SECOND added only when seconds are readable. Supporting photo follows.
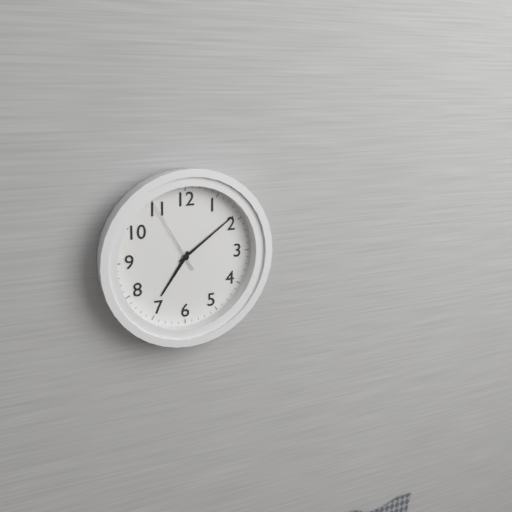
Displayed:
h=7 m=9 s=55
